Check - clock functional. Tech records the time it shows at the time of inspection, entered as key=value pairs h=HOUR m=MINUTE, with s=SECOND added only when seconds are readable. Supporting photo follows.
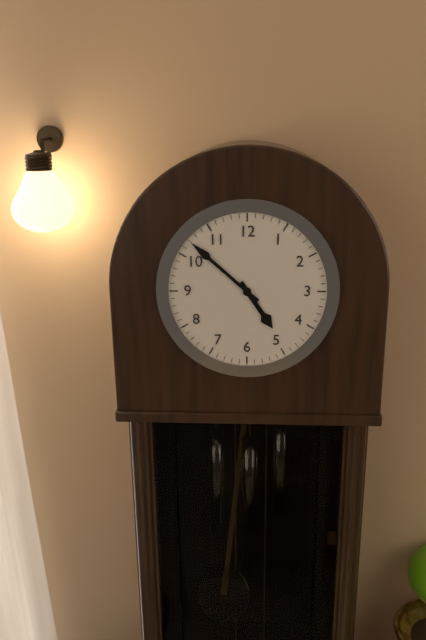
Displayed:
h=4 m=52
